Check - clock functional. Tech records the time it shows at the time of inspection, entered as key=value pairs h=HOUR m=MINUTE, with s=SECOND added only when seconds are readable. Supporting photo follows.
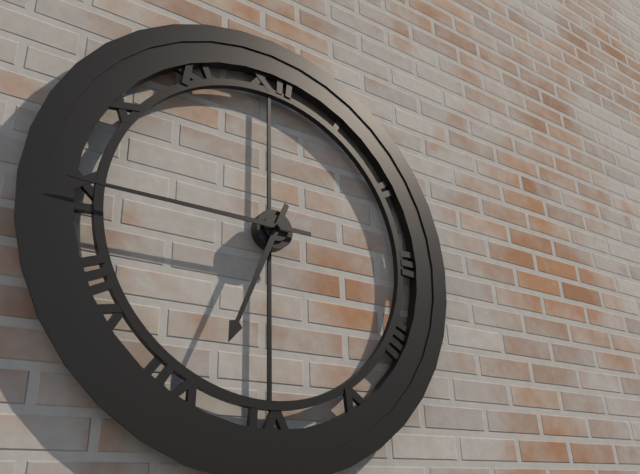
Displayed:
h=6 m=45
